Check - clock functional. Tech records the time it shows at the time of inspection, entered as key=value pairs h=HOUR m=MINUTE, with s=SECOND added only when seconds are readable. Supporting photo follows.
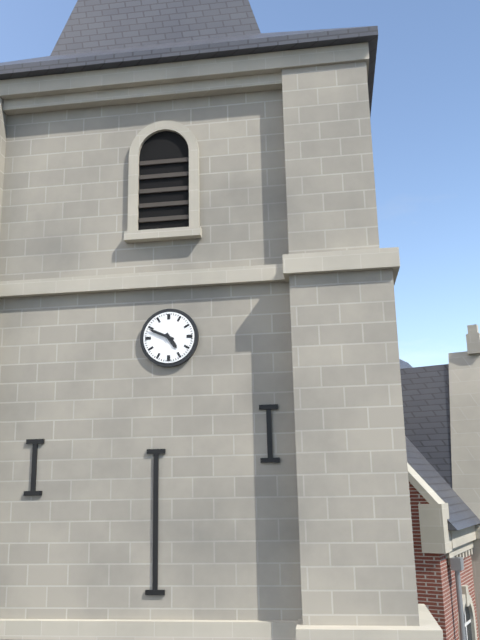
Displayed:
h=4 m=49
